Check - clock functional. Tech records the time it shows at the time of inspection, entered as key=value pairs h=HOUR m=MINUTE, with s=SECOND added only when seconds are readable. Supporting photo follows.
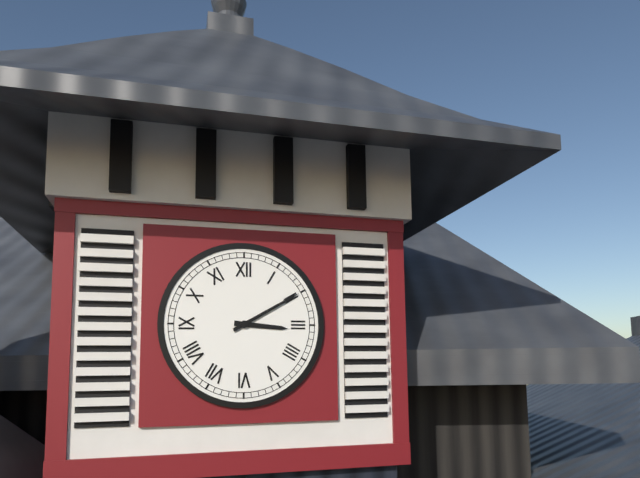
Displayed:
h=3 m=10
